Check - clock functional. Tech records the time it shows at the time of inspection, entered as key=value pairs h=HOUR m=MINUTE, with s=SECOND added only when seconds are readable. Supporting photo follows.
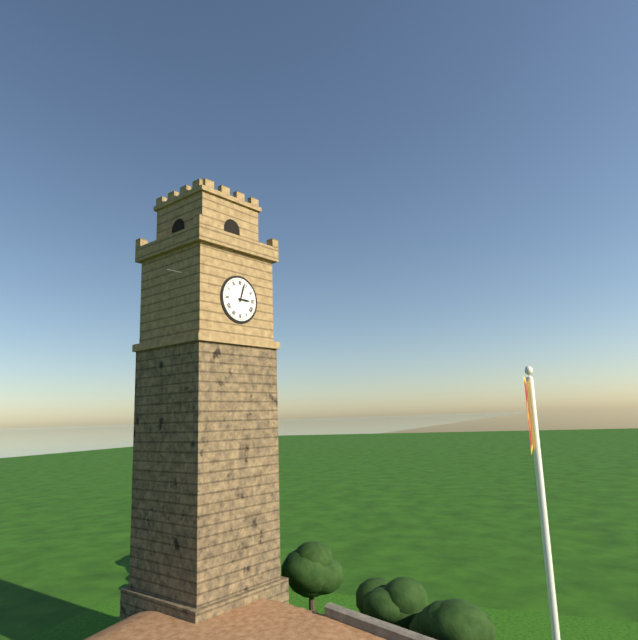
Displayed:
h=3 m=3
